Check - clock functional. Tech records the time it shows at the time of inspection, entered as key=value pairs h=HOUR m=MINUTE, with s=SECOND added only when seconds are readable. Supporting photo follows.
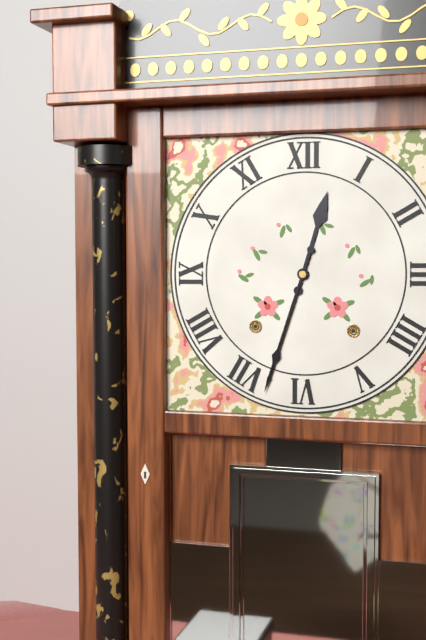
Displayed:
h=12 m=33
